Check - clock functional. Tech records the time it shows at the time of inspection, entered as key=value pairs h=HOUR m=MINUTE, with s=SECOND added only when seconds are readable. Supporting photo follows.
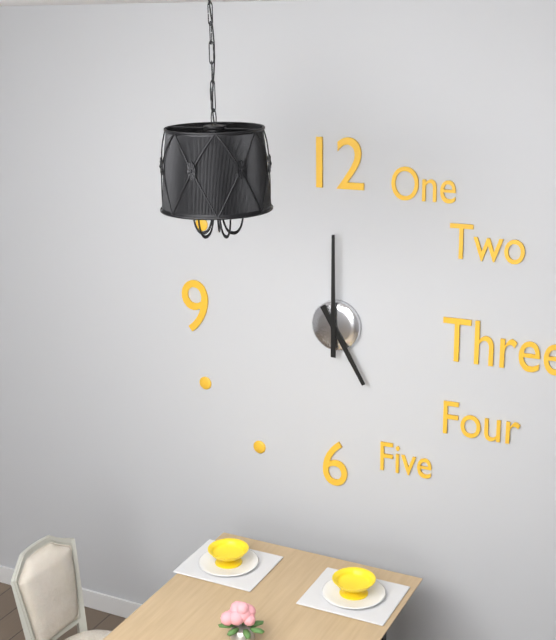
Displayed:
h=5 m=0
